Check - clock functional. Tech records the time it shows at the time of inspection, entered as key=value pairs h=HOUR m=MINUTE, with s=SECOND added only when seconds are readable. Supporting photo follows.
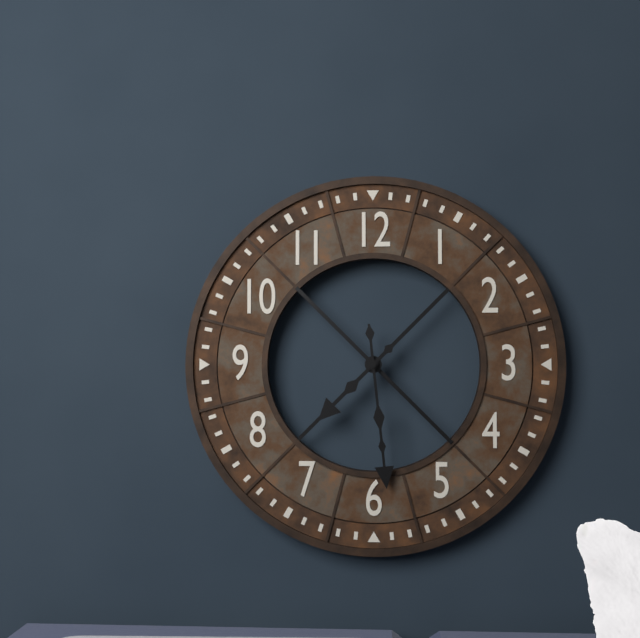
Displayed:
h=7 m=29
